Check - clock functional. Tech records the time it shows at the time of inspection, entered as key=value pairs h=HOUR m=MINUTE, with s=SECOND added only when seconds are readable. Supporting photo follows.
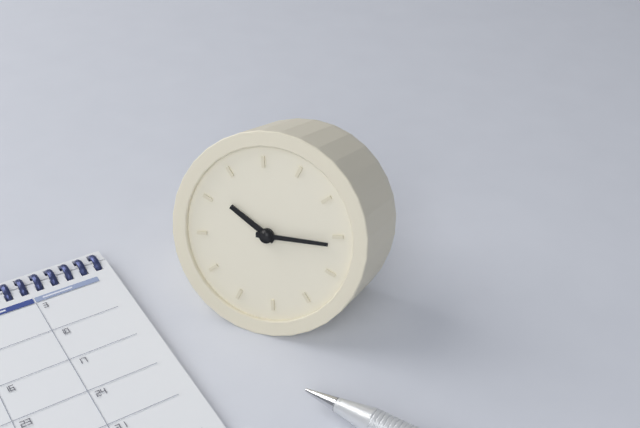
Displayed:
h=10 m=16
